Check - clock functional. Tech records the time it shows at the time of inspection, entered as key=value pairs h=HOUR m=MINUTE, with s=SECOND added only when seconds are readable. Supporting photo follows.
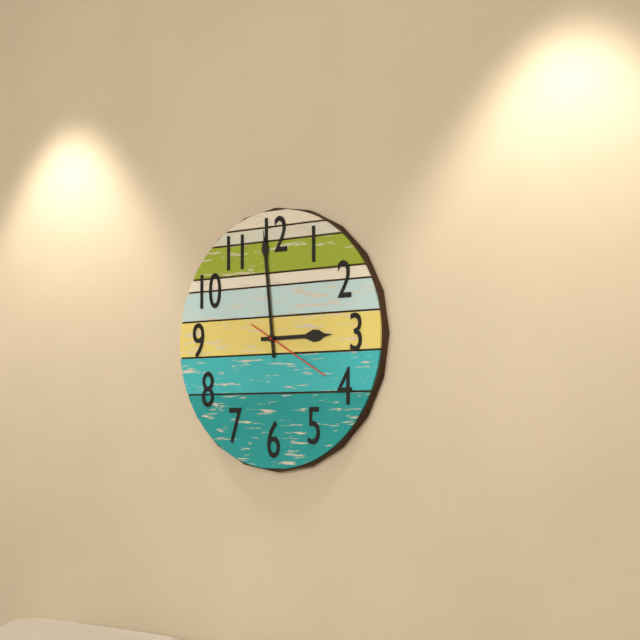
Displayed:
h=2 m=59 s=20
